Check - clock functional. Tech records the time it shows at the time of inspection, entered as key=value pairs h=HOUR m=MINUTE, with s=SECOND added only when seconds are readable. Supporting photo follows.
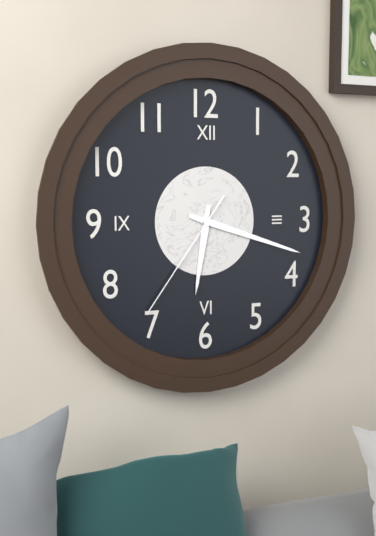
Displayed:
h=6 m=18 s=36
